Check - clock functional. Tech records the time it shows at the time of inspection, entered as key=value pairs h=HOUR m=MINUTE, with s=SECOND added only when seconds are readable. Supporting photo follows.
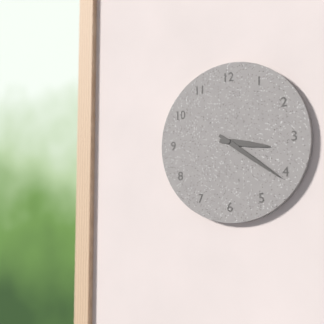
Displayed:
h=3 m=21
